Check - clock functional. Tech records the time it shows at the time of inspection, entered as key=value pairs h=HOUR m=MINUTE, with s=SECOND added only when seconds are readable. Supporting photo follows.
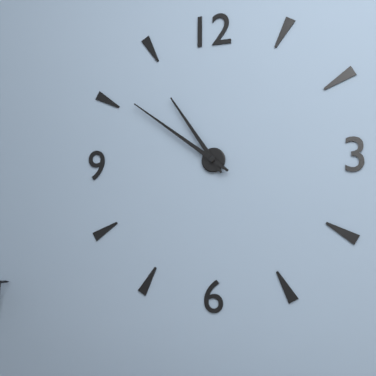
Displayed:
h=10 m=51
